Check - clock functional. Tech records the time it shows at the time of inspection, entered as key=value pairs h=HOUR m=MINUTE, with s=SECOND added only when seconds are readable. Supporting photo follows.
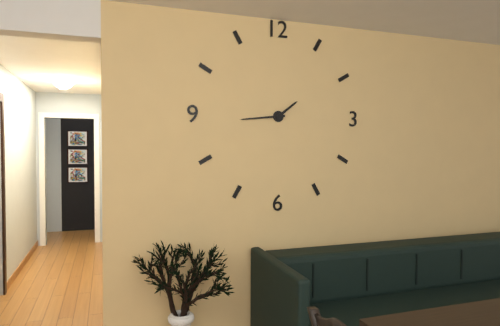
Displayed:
h=1 m=44
